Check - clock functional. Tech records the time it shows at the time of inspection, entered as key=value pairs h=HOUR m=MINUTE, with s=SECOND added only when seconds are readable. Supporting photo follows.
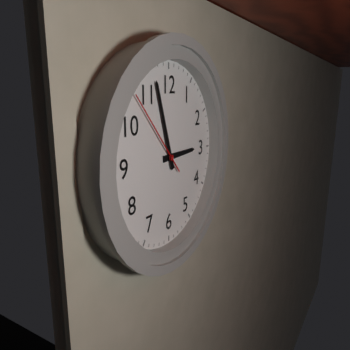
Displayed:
h=2 m=57 s=53
